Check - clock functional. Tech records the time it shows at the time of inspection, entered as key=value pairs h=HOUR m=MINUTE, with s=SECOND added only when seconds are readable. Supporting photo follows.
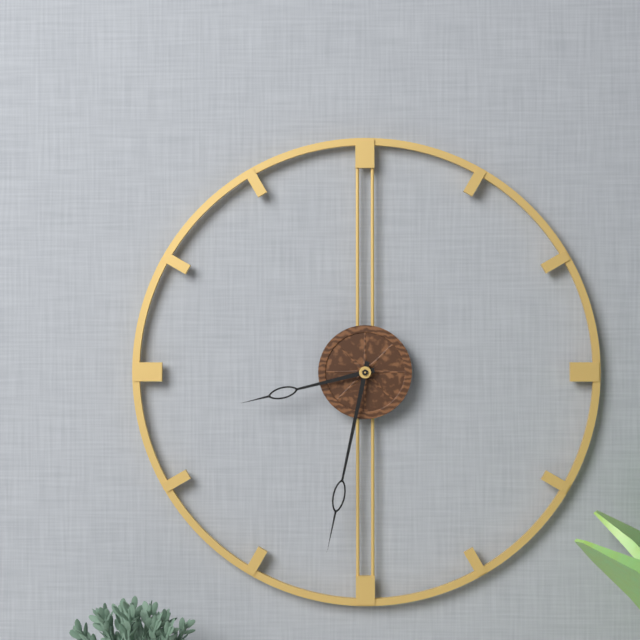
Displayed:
h=8 m=32
